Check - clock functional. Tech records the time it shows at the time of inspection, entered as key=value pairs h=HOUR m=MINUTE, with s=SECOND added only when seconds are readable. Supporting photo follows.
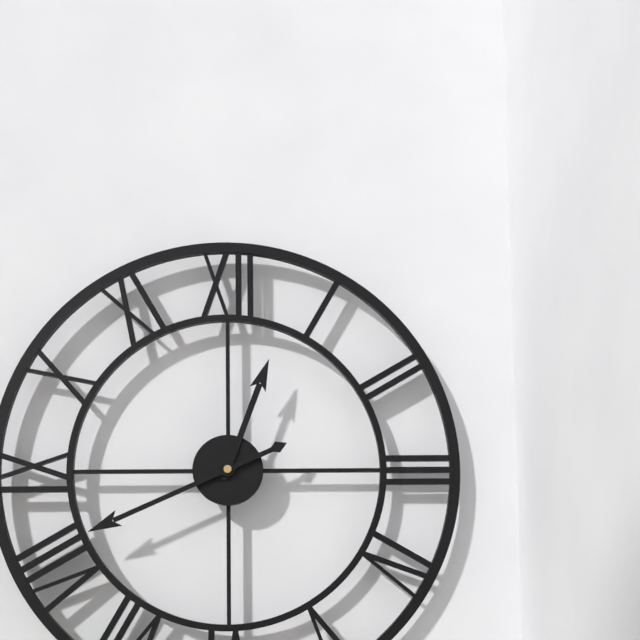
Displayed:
h=12 m=41
